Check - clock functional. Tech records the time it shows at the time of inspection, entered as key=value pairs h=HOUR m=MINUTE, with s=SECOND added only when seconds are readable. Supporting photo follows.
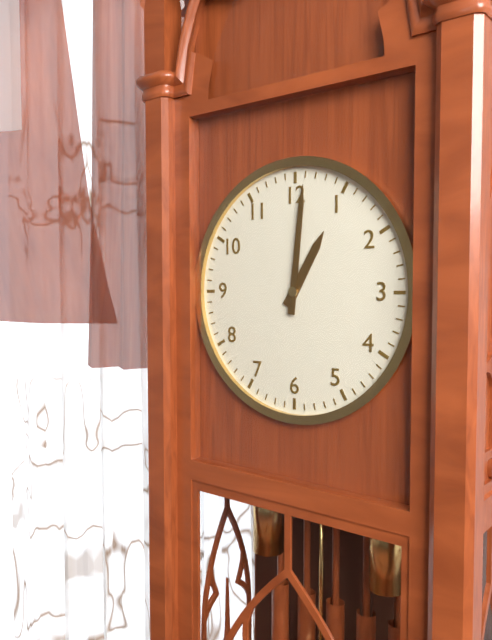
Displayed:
h=1 m=1
